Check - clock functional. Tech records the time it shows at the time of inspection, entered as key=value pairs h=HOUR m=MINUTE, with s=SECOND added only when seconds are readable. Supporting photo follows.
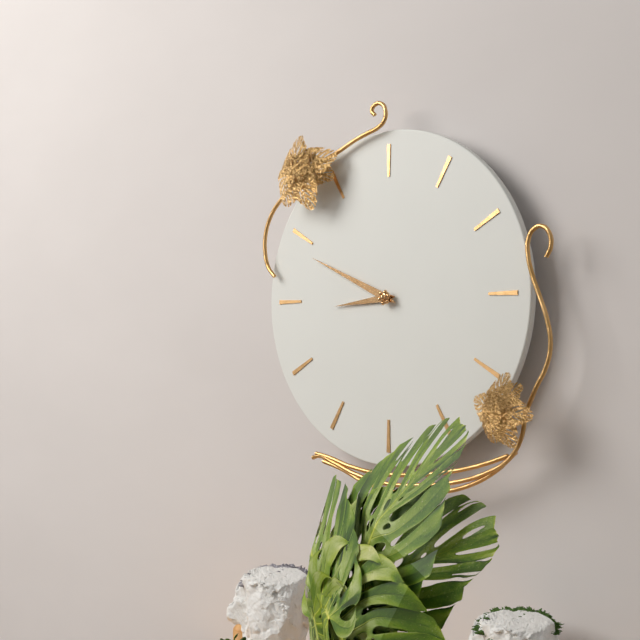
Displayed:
h=8 m=49
